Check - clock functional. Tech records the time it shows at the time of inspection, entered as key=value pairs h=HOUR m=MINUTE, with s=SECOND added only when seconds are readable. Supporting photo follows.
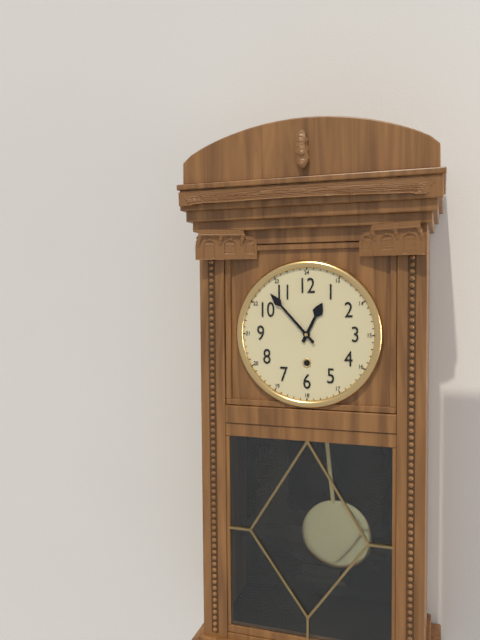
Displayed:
h=12 m=53
